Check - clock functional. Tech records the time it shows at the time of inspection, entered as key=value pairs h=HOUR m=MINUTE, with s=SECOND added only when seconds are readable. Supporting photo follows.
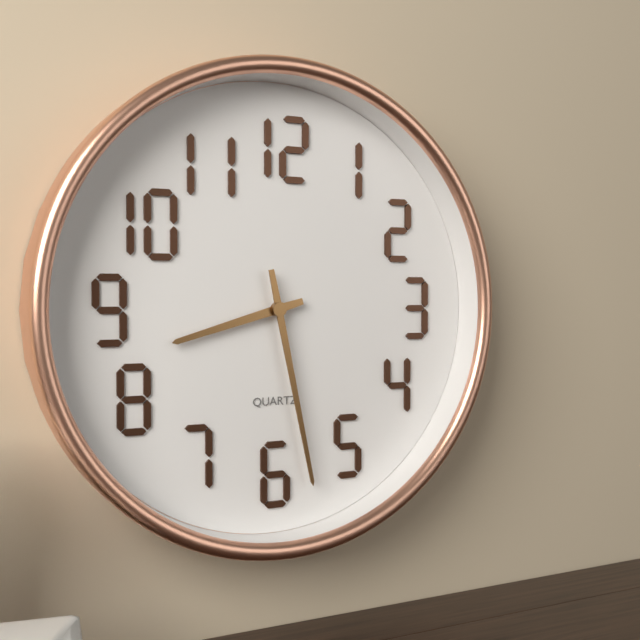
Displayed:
h=8 m=28
